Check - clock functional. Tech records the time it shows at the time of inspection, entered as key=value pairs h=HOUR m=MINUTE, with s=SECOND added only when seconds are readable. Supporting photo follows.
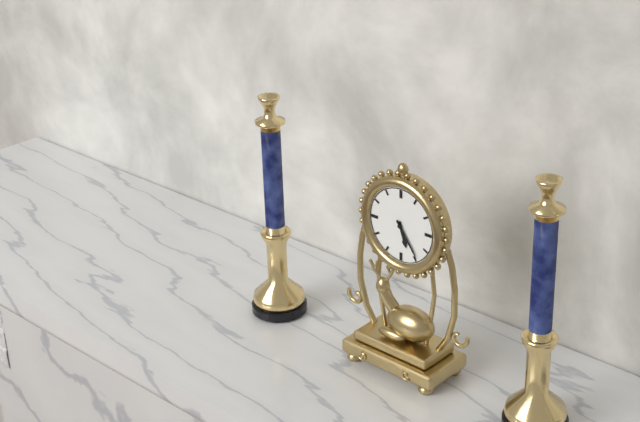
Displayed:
h=5 m=24
